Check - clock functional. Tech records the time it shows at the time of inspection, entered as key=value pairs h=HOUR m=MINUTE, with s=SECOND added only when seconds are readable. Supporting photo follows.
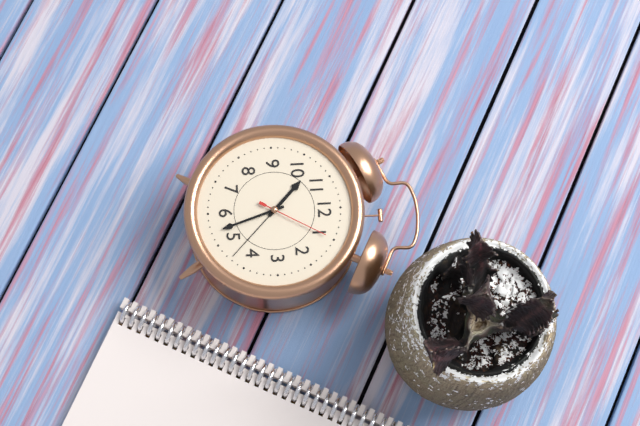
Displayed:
h=10 m=27 s=5
